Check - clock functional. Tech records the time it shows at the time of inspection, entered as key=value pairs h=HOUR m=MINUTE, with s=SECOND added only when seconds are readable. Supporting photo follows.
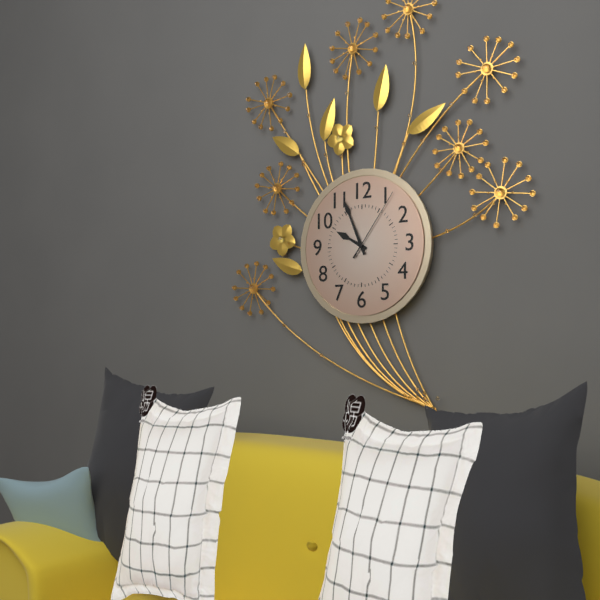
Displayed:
h=9 m=56 s=6
